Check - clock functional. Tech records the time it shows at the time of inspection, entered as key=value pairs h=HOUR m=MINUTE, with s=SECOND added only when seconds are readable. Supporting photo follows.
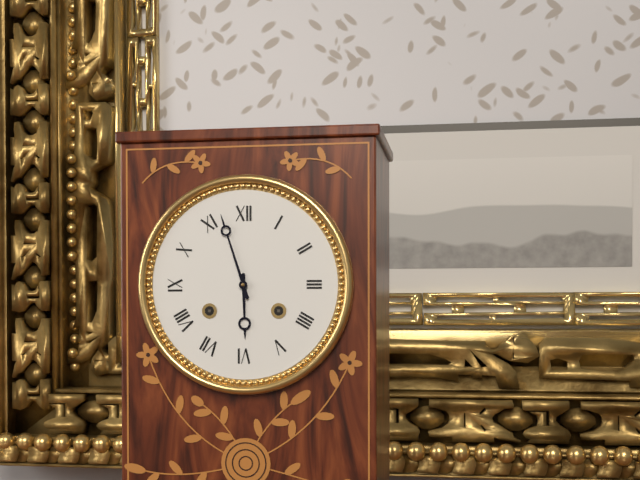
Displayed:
h=5 m=57
